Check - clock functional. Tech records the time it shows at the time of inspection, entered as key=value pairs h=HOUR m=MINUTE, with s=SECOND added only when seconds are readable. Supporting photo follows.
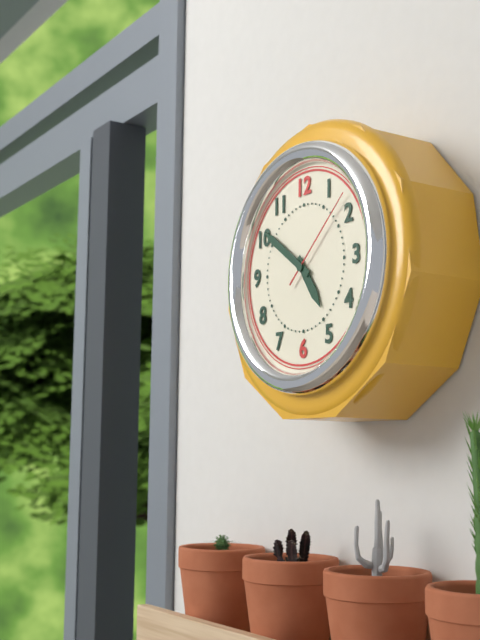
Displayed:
h=4 m=51 s=8
